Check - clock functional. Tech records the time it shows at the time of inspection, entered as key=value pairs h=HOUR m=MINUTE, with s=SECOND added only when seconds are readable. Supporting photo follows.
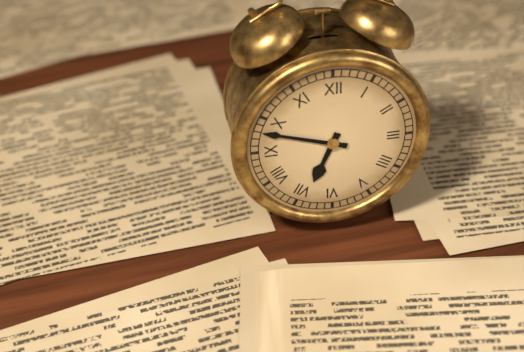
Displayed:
h=6 m=48
